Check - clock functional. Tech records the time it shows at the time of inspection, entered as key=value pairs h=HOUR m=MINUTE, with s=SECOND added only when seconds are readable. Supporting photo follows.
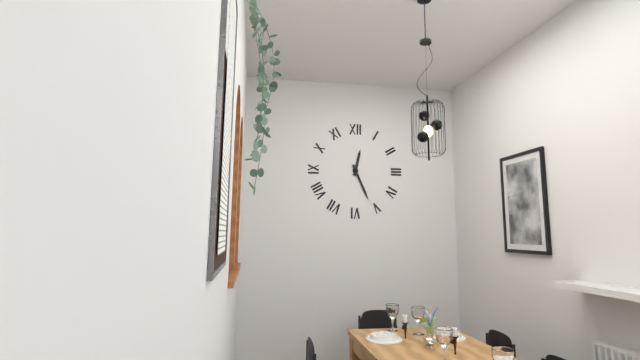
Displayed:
h=12 m=26
